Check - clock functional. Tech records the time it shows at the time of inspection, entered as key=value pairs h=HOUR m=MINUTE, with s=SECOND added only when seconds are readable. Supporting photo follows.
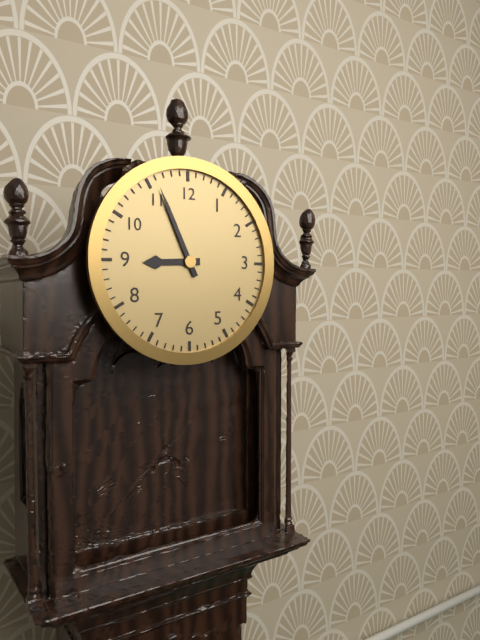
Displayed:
h=8 m=56
